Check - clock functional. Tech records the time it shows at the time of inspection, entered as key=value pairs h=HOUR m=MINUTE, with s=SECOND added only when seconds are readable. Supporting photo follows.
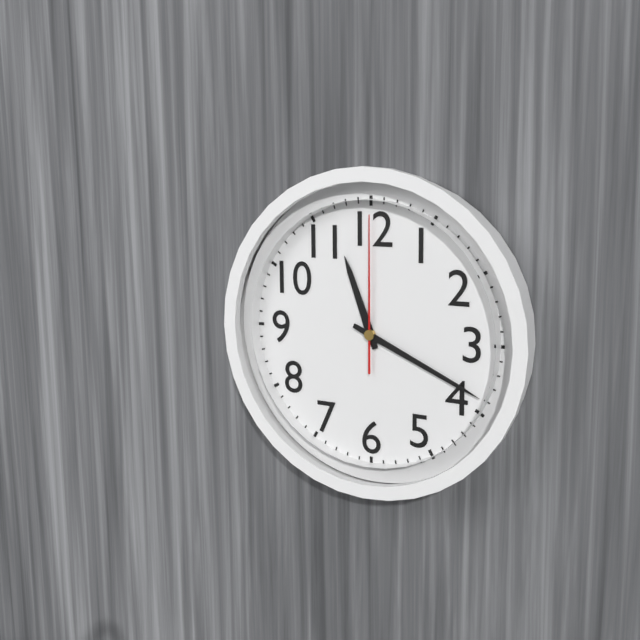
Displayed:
h=11 m=19 s=0
